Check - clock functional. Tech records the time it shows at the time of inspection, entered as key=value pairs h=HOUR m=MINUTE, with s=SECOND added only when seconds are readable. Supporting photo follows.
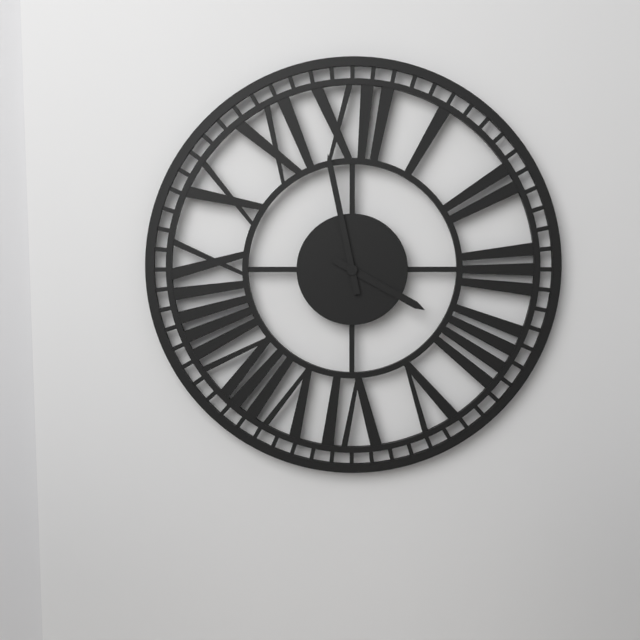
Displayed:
h=3 m=58
